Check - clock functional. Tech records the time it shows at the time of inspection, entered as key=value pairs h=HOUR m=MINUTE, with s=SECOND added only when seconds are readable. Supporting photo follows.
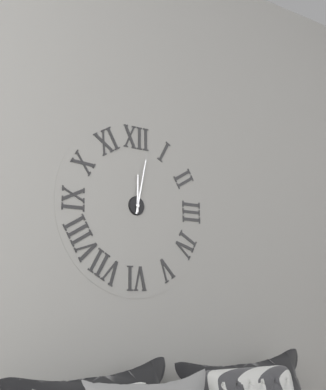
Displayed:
h=12 m=2
